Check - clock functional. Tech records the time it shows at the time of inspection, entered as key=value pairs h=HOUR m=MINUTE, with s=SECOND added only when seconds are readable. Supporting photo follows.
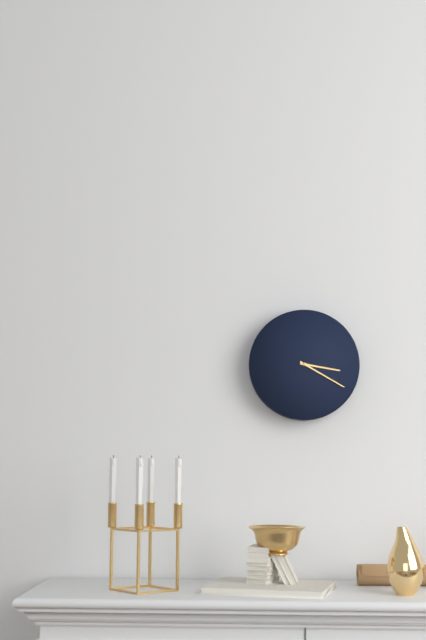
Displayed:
h=3 m=20
